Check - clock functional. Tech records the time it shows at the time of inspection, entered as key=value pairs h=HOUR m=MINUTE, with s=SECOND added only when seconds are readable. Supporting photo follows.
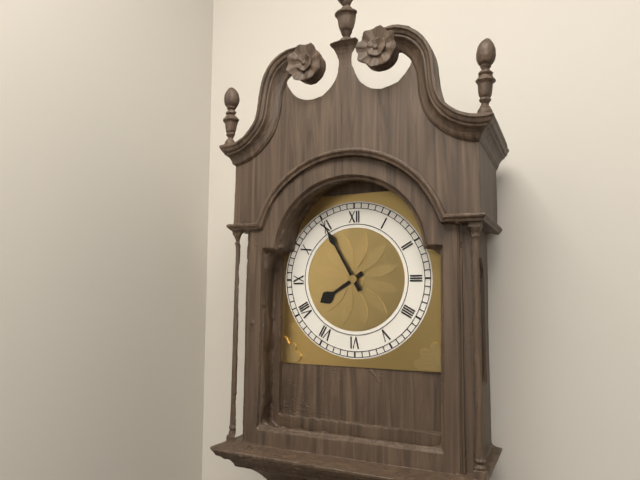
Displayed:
h=7 m=55
